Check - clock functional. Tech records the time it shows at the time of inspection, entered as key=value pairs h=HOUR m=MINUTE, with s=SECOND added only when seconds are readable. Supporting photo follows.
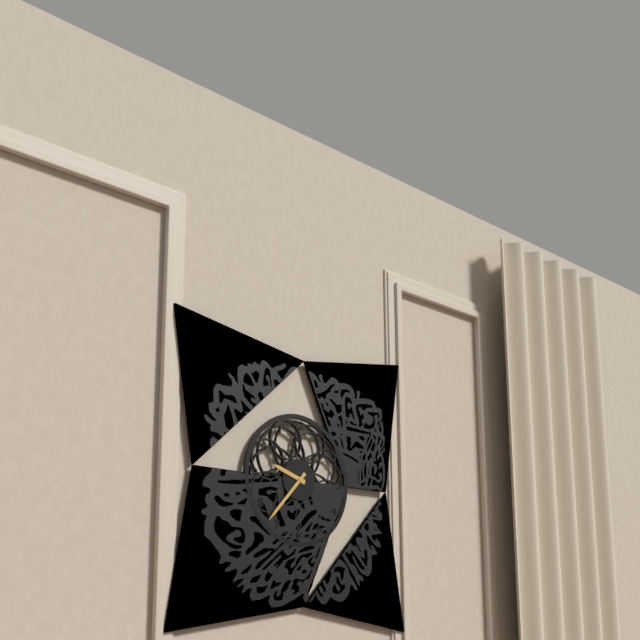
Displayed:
h=9 m=37
